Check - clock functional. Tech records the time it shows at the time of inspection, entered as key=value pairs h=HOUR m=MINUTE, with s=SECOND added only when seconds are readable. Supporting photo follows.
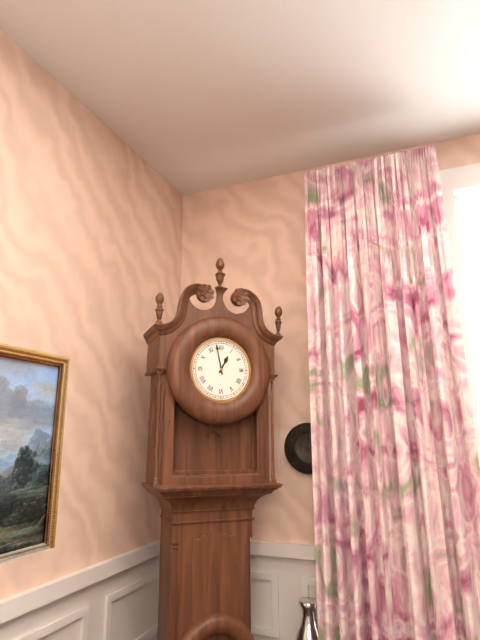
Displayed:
h=12 m=58
